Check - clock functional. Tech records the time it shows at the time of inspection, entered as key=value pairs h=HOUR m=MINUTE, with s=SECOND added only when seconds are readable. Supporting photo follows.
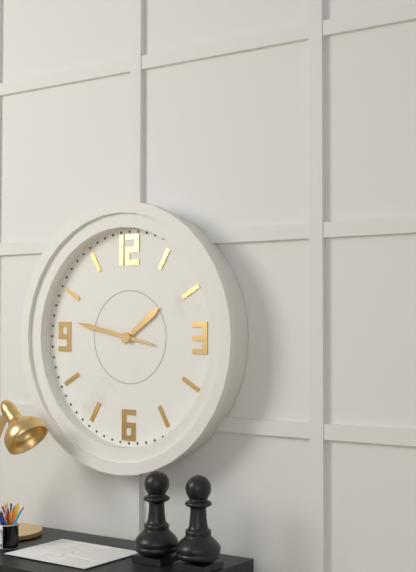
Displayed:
h=1 m=47
